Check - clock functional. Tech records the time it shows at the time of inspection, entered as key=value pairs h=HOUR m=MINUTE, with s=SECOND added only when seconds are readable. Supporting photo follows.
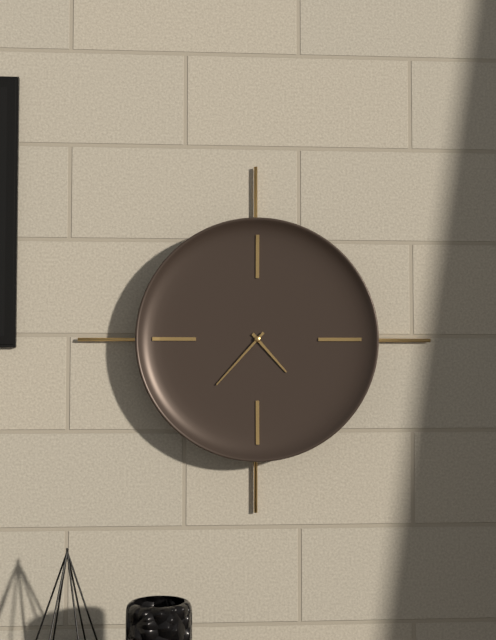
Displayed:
h=4 m=37
